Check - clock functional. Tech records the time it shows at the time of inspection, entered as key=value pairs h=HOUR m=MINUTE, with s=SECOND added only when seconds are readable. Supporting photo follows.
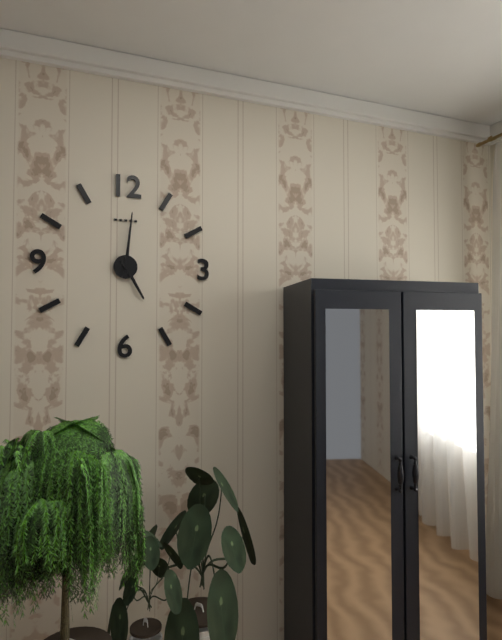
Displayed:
h=5 m=1
